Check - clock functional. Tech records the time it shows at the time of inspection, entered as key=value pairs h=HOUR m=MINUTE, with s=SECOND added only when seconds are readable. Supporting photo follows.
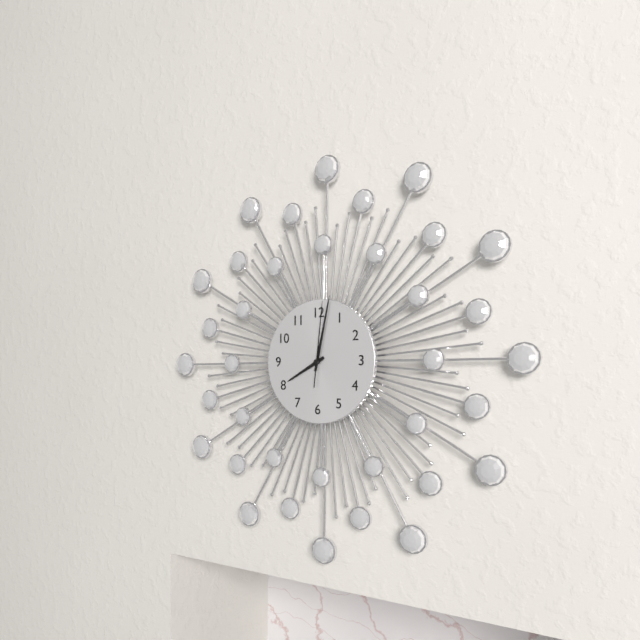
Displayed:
h=8 m=2 s=1
